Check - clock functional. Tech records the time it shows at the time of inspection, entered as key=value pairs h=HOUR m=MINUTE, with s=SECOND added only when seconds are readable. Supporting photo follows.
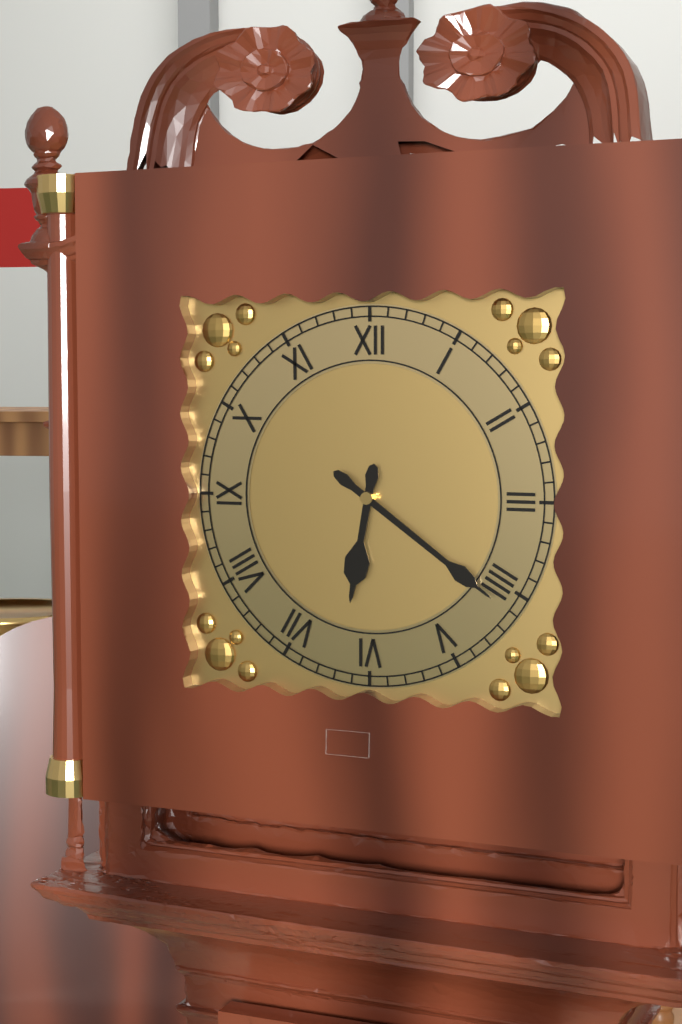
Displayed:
h=6 m=21
